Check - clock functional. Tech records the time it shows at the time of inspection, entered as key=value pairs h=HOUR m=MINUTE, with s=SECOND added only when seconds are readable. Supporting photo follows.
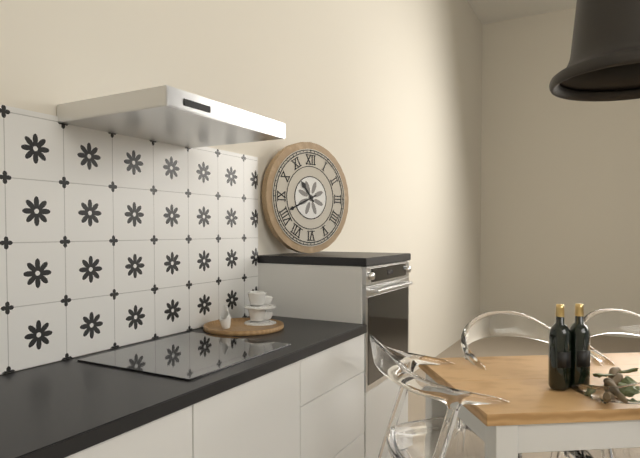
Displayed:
h=10 m=41
